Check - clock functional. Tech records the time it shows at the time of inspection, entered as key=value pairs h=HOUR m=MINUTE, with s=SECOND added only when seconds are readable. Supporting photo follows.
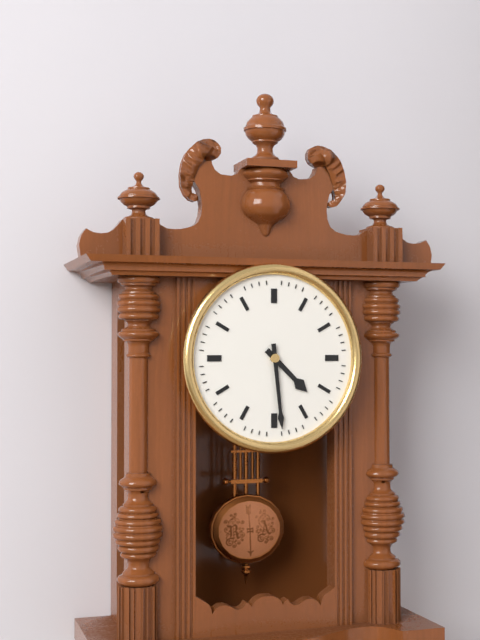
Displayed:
h=4 m=29
